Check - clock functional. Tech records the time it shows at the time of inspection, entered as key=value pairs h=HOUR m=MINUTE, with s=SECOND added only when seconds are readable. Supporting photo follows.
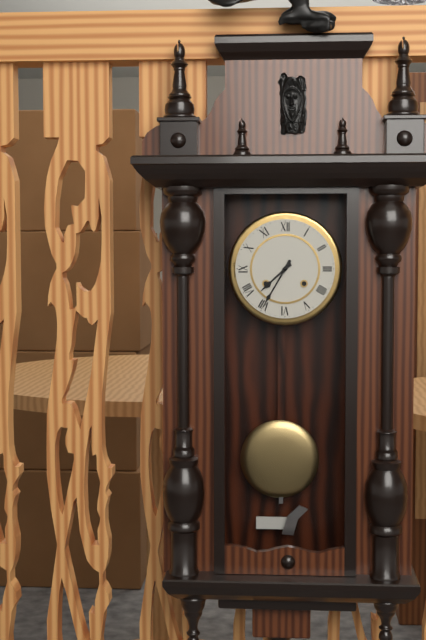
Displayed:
h=7 m=35
